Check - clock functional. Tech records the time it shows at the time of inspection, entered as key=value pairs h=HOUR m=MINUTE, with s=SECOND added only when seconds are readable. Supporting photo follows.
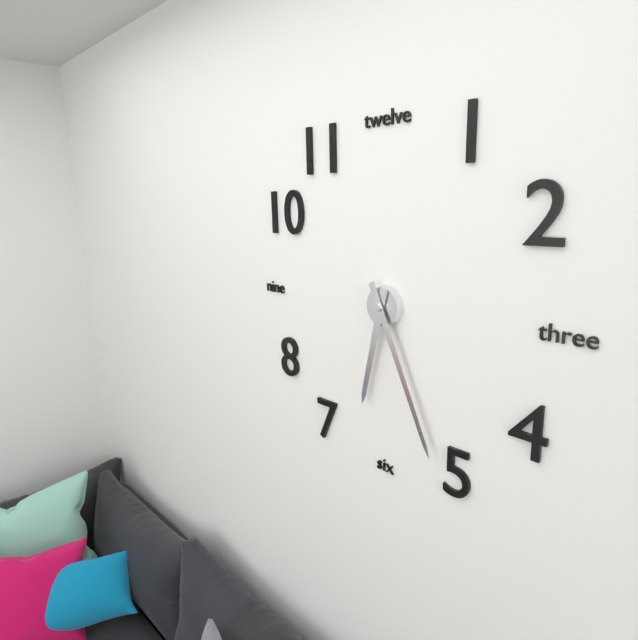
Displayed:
h=6 m=26
